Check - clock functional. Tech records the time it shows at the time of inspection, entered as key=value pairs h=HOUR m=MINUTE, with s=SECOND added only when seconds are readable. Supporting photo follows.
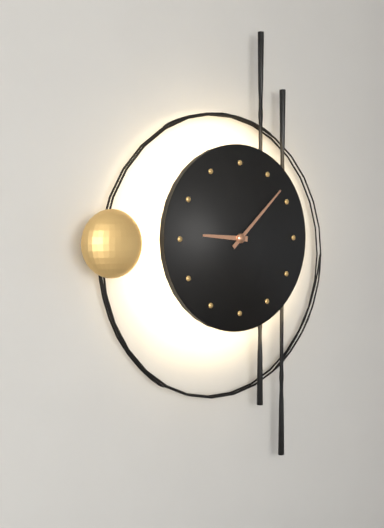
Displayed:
h=9 m=8
